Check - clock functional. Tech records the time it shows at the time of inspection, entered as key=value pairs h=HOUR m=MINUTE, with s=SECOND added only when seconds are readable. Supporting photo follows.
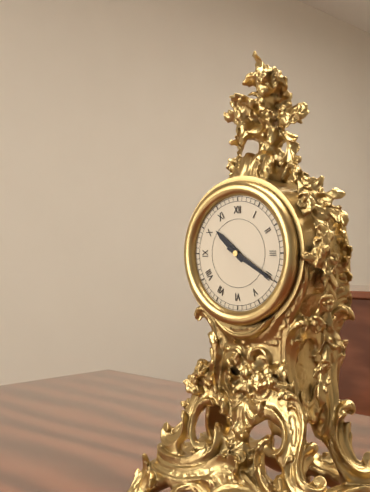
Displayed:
h=10 m=20
